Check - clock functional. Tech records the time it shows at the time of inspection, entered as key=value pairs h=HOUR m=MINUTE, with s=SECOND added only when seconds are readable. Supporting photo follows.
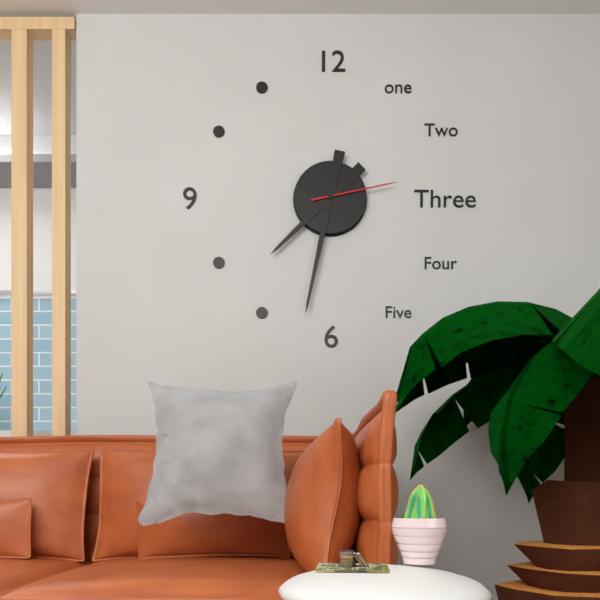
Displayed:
h=7 m=32 s=13
